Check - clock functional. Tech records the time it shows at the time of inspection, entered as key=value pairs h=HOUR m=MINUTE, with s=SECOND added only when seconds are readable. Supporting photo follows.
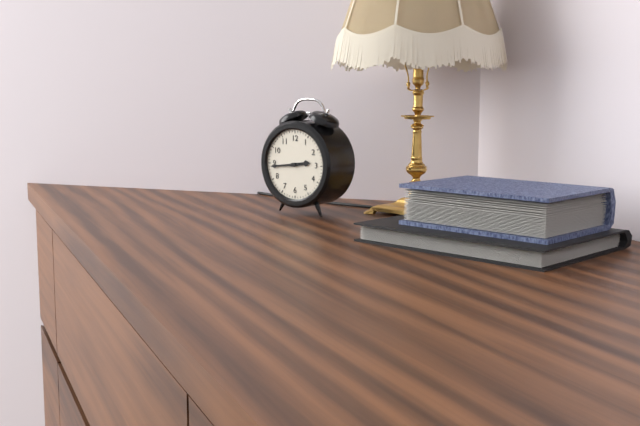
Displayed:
h=2 m=44
